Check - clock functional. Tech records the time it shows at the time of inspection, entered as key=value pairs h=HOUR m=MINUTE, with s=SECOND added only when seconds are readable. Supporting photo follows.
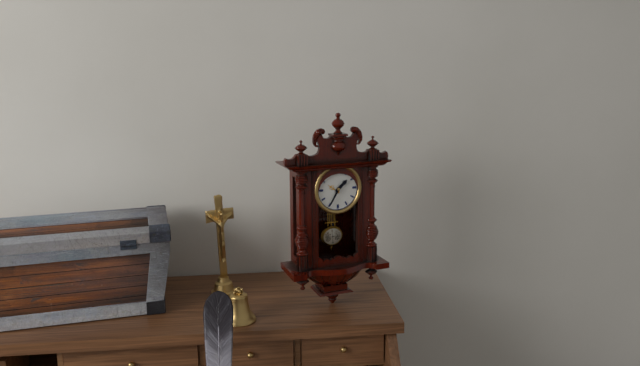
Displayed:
h=1 m=35
